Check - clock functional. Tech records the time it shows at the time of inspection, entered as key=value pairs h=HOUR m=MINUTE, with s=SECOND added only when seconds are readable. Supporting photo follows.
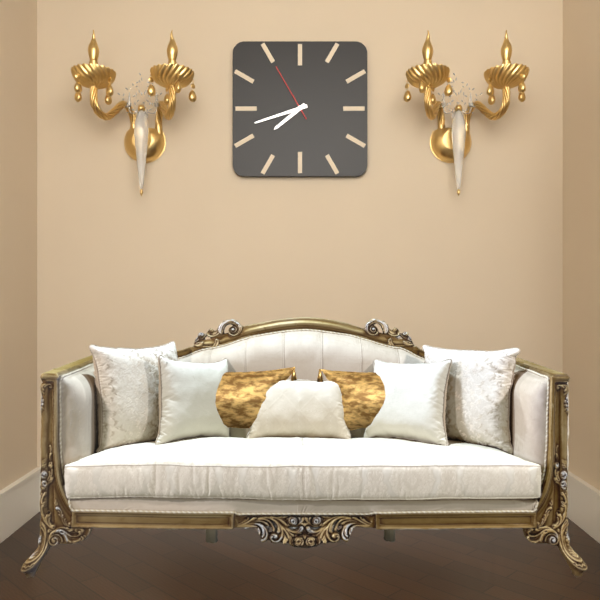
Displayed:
h=7 m=42 s=55
